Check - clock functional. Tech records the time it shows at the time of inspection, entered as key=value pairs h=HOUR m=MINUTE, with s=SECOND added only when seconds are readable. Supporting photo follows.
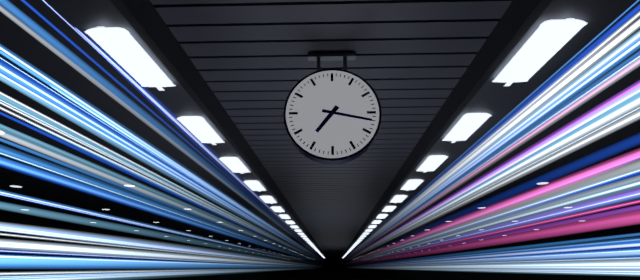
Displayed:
h=7 m=17
